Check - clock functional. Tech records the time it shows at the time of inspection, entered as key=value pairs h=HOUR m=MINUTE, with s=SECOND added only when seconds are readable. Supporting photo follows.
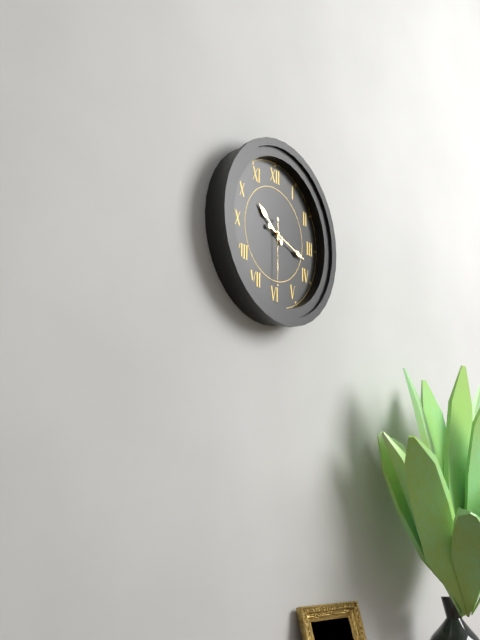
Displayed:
h=10 m=18 s=30
